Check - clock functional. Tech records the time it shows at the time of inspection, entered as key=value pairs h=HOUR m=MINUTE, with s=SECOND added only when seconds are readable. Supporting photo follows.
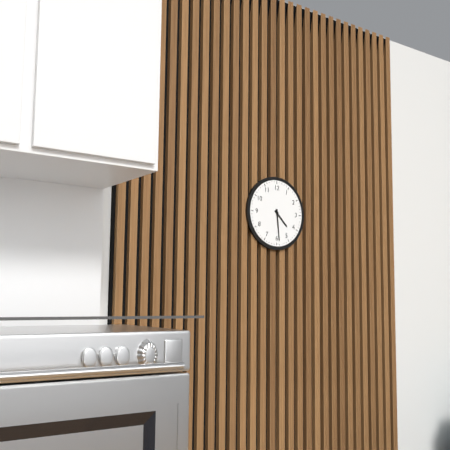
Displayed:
h=4 m=29
